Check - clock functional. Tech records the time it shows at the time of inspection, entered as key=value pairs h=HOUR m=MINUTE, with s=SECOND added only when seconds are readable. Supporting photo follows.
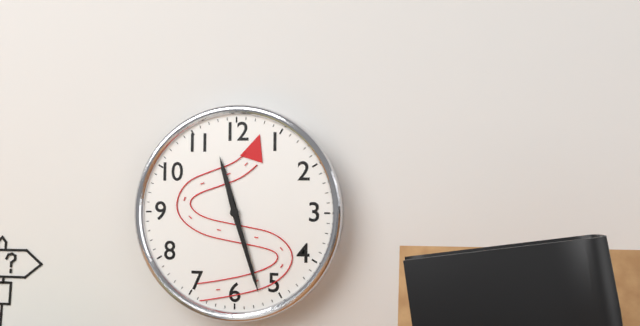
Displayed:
h=11 m=27
